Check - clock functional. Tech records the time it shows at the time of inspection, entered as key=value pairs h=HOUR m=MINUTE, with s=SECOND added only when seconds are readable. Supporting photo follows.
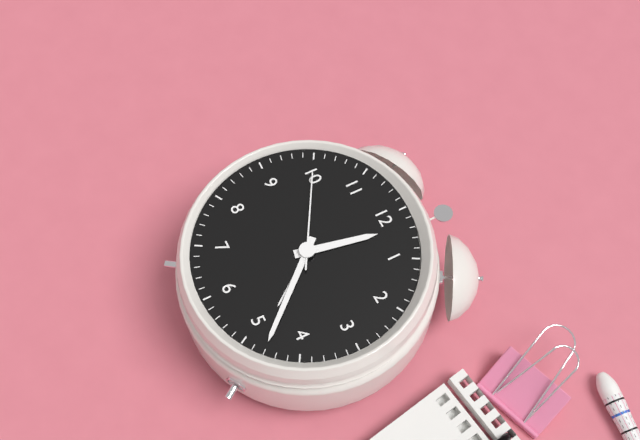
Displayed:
h=12 m=23 s=50
